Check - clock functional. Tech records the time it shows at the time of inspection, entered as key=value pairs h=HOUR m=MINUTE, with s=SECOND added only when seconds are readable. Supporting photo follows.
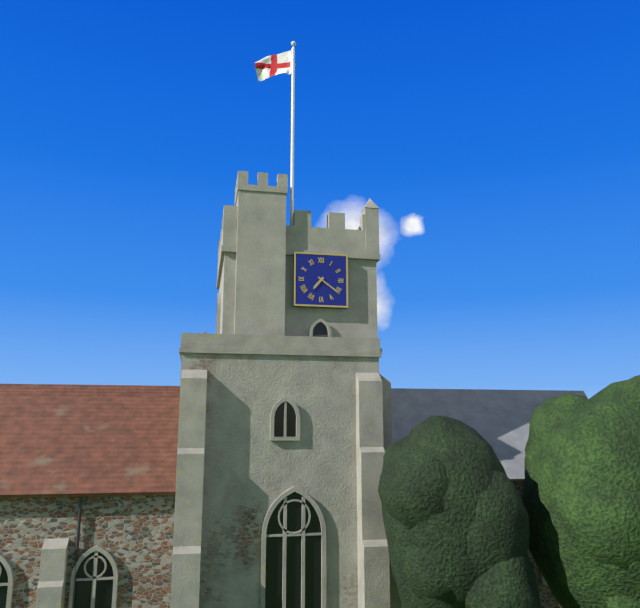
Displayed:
h=7 m=21
